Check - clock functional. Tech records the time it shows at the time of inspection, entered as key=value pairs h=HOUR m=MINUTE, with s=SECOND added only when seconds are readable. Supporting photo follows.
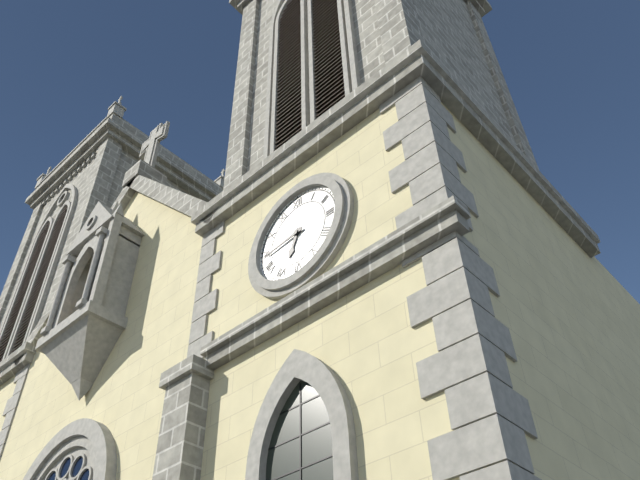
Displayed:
h=6 m=44
